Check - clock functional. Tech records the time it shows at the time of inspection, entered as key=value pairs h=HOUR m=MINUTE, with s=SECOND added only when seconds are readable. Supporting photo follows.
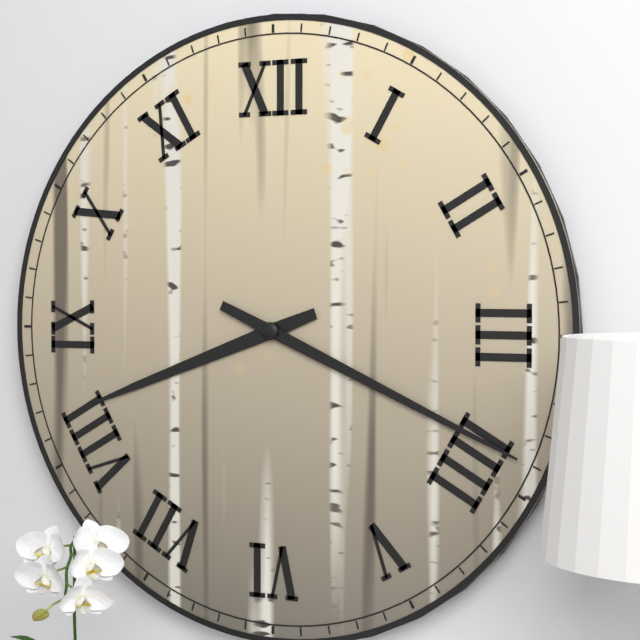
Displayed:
h=8 m=19
